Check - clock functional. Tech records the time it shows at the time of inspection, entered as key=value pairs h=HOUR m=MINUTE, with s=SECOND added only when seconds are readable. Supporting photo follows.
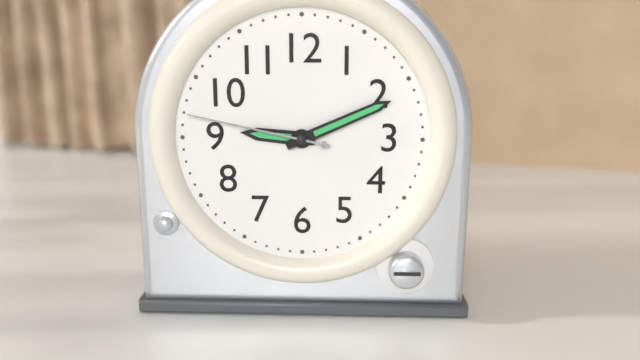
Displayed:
h=9 m=11 s=47
